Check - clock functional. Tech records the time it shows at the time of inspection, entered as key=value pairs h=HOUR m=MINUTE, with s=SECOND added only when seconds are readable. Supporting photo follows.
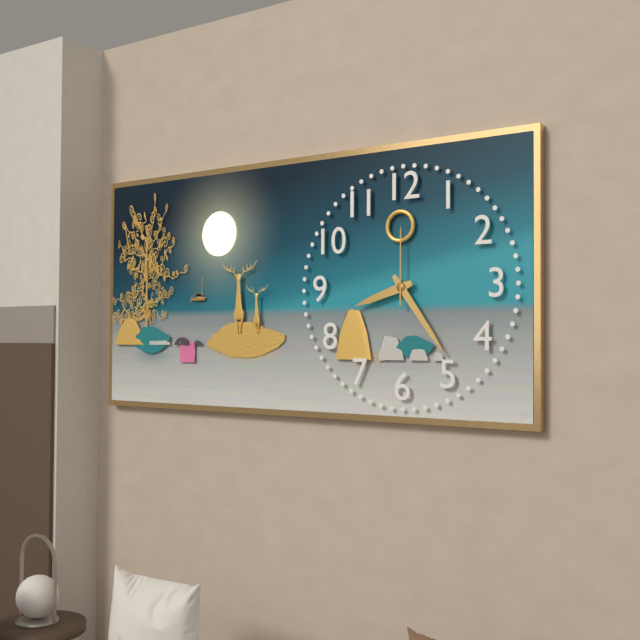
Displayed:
h=8 m=24 s=0
